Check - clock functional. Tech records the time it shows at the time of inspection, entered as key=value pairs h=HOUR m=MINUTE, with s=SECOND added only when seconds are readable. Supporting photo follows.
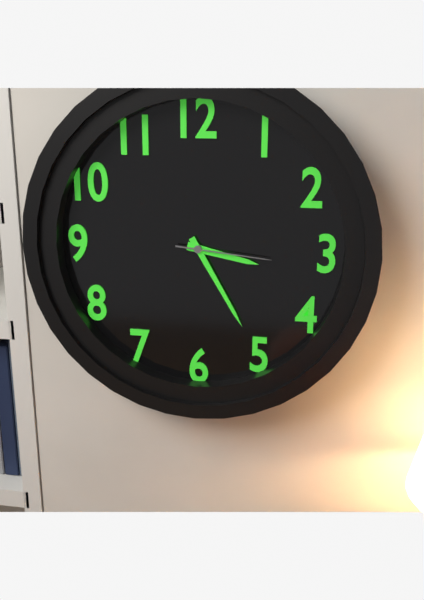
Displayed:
h=3 m=25 s=16
